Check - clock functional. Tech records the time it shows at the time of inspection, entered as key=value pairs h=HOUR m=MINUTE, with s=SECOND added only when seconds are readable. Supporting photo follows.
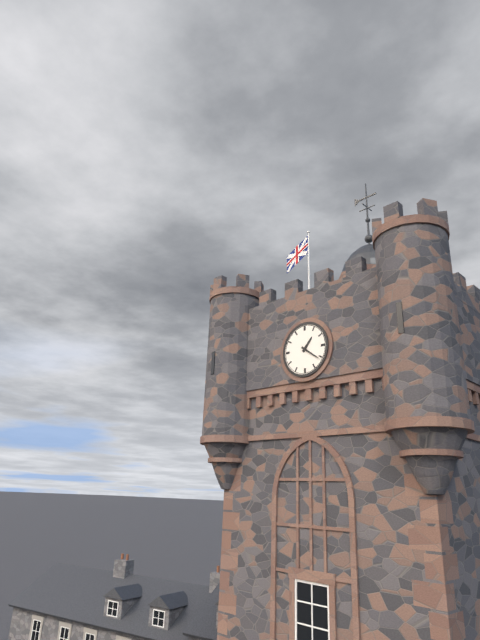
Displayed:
h=1 m=21
